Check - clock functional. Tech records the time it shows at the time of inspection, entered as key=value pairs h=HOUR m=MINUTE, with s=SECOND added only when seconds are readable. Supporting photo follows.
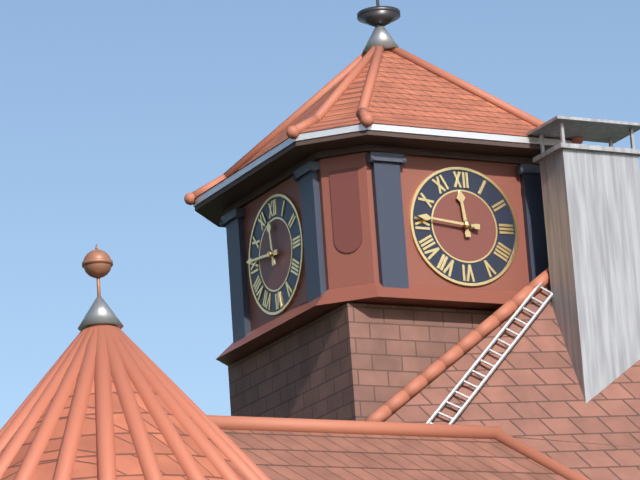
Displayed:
h=11 m=46
